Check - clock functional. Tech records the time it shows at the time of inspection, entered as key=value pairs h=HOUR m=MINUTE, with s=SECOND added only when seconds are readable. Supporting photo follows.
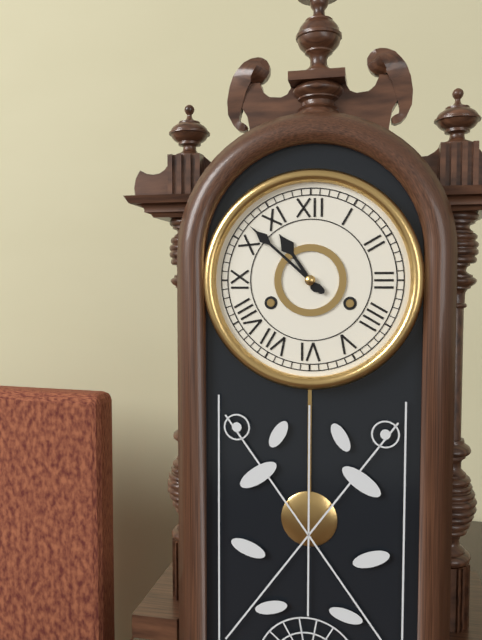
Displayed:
h=10 m=52
